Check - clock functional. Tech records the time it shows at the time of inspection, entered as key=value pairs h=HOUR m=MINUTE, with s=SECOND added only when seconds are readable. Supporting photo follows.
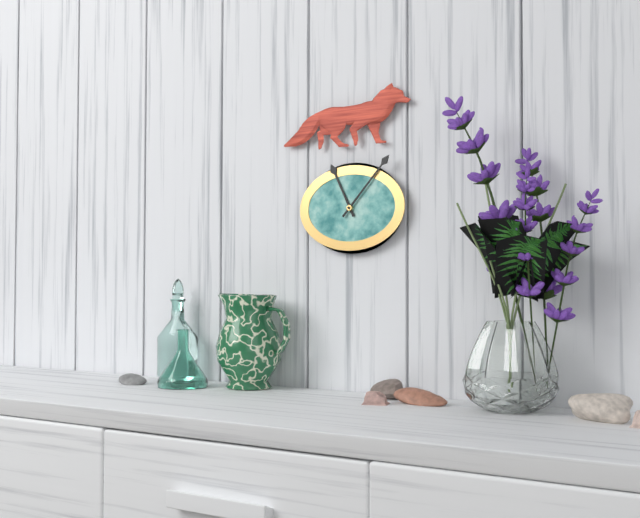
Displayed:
h=11 m=7
